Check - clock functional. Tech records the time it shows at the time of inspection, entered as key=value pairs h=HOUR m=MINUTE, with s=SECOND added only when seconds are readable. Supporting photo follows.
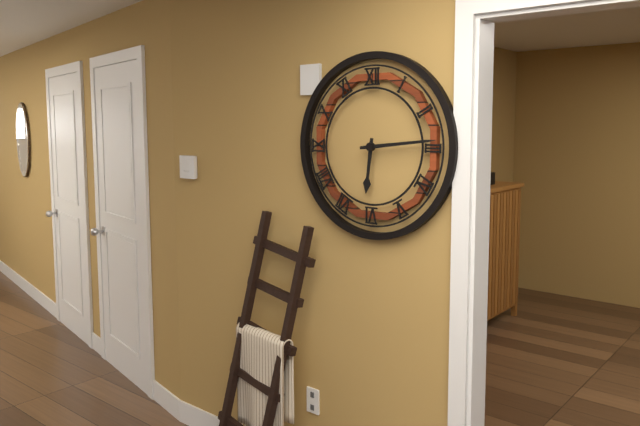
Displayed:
h=6 m=14
